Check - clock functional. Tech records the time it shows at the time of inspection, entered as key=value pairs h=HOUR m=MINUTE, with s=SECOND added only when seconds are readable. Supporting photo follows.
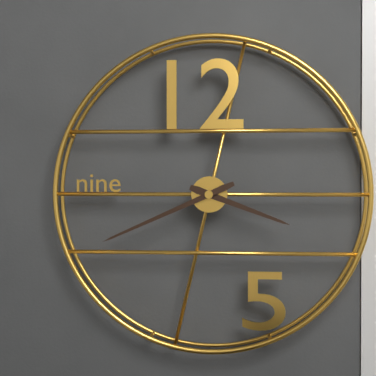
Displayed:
h=3 m=41
